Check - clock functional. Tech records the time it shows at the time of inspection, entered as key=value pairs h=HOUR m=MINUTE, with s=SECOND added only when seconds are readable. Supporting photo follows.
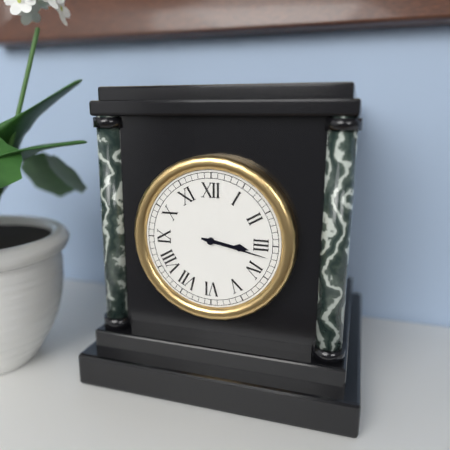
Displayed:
h=3 m=17
